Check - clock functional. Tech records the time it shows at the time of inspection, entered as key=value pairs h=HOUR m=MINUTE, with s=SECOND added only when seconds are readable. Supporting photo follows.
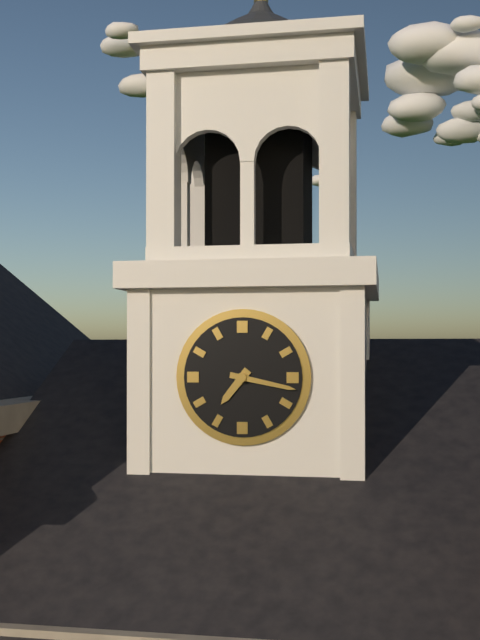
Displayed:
h=7 m=17
